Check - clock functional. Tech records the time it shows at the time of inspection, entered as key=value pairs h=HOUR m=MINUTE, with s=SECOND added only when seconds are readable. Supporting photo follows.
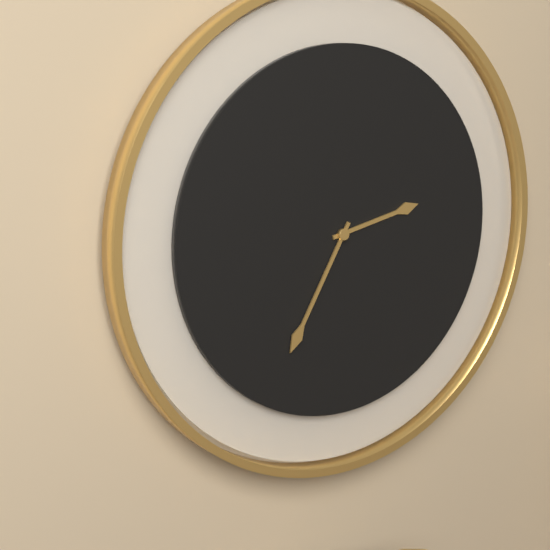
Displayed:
h=2 m=35
